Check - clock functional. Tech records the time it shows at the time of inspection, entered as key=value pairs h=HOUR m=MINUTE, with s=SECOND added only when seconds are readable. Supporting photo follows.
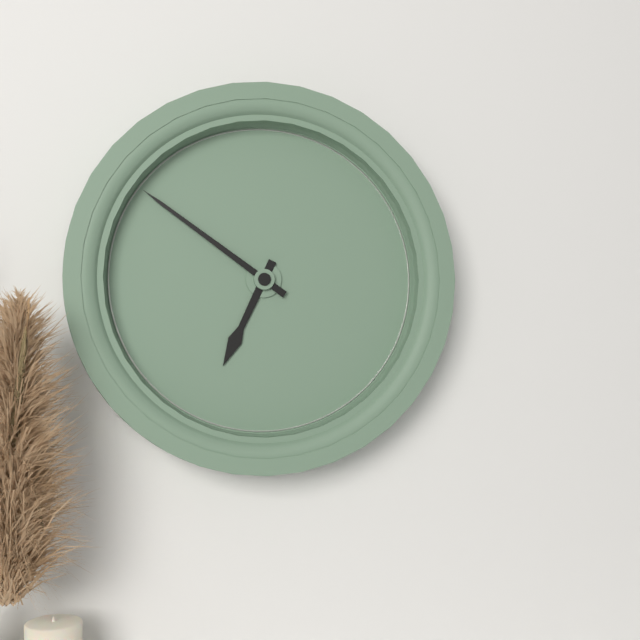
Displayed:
h=6 m=51
